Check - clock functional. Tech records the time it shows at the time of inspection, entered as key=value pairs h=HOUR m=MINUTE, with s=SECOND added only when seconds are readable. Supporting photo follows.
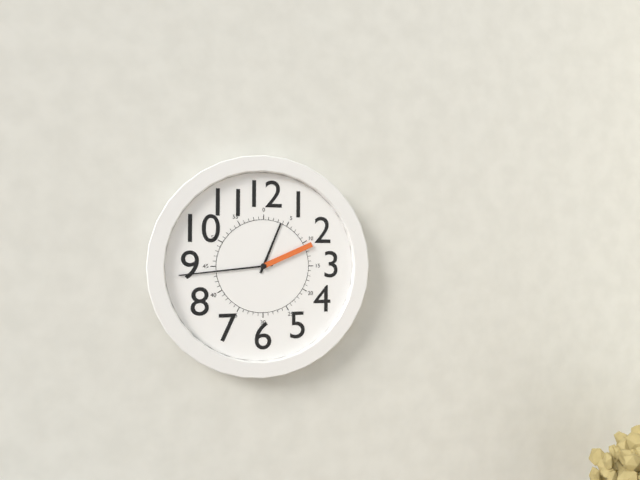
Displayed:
h=12 m=44 s=11
